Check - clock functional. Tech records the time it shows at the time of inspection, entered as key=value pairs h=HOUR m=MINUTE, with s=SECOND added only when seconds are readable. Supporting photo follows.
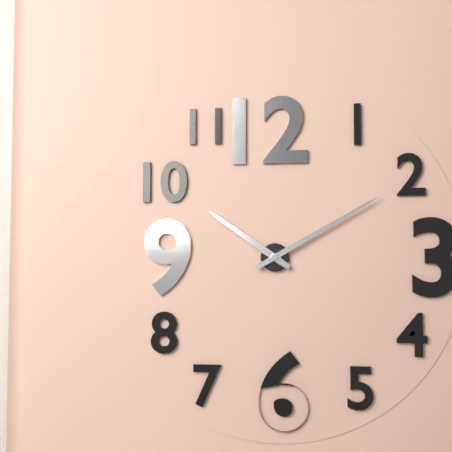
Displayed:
h=10 m=10
